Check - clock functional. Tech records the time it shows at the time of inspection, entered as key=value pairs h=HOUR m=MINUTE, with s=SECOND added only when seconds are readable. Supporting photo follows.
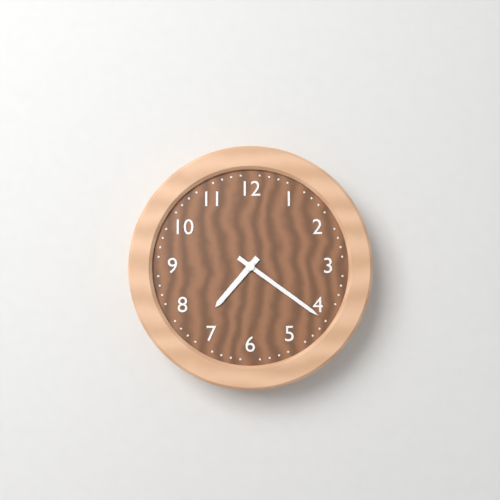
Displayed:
h=7 m=21
